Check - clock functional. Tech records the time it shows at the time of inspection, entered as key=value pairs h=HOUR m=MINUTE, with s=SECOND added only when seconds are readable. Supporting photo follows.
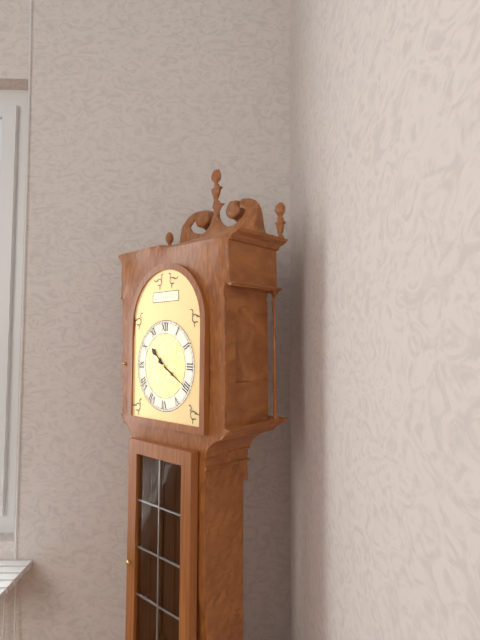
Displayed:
h=10 m=20
